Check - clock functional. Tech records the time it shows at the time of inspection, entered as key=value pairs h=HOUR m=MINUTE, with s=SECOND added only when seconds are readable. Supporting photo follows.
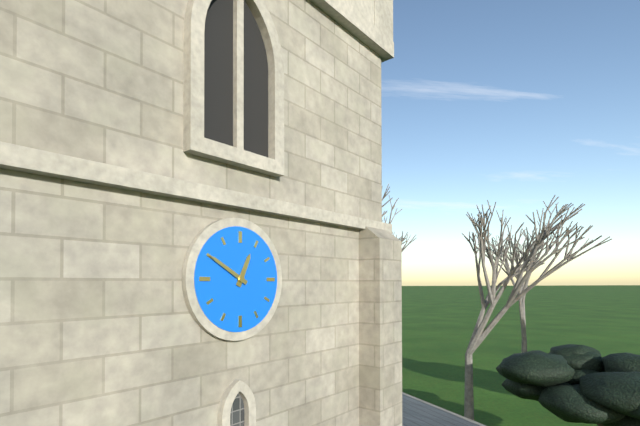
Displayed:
h=12 m=50
